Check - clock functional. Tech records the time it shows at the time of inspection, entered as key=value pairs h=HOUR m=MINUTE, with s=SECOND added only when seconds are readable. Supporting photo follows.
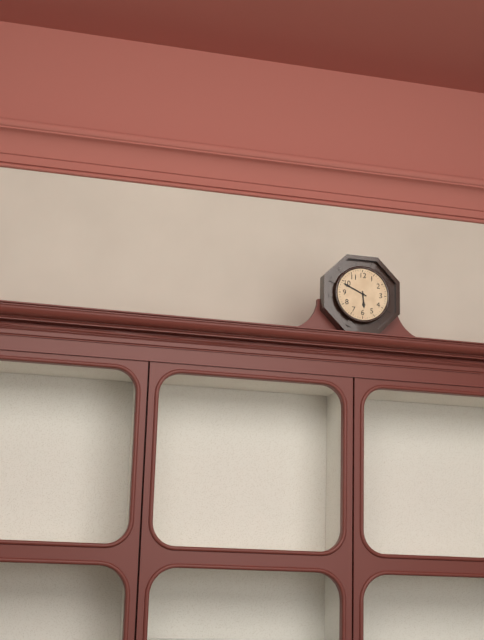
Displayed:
h=5 m=49
